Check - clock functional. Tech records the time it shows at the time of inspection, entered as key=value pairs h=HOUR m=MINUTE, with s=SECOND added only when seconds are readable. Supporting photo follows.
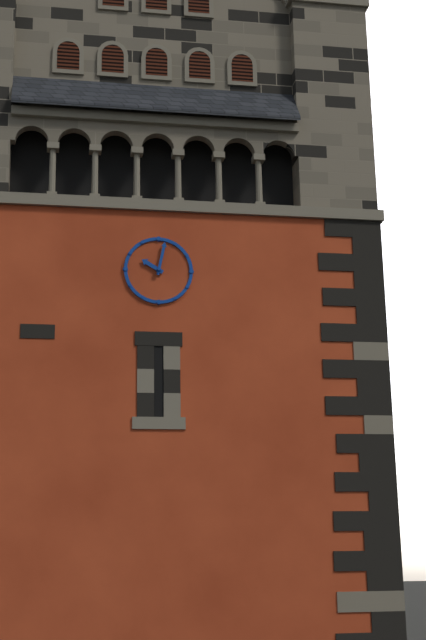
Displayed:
h=10 m=2
